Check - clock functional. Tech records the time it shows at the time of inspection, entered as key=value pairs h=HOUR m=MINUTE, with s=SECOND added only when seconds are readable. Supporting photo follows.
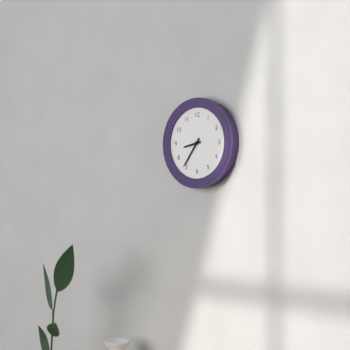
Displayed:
h=8 m=36
